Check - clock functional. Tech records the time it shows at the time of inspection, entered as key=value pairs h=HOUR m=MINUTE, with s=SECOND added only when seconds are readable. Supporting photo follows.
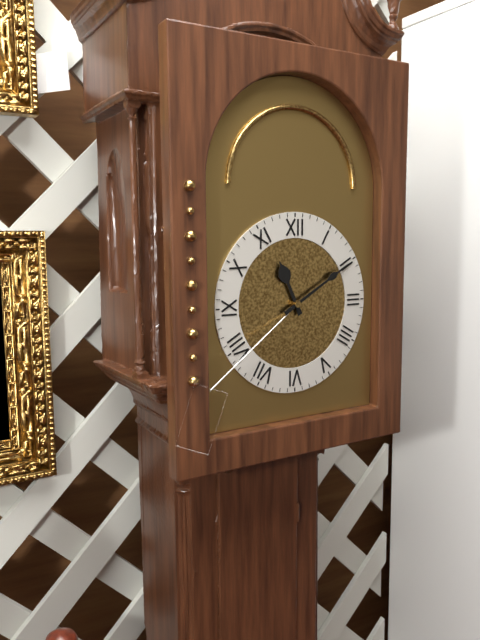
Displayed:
h=11 m=10
